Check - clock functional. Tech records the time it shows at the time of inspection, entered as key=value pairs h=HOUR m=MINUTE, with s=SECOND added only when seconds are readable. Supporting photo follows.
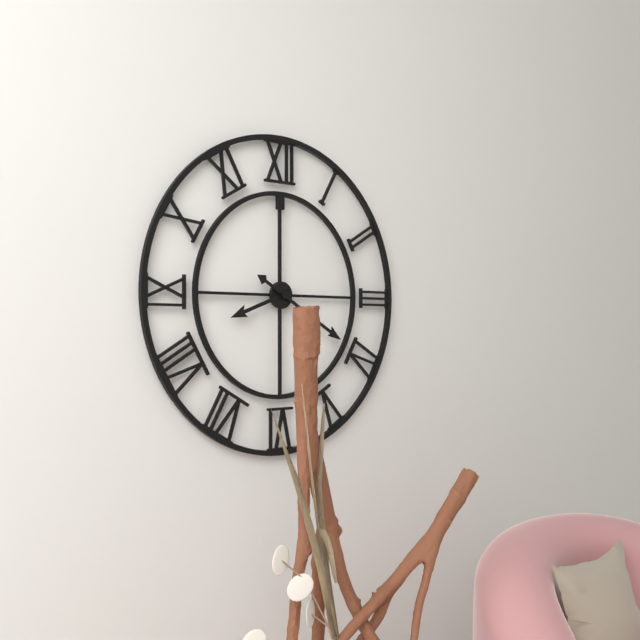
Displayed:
h=8 m=20
